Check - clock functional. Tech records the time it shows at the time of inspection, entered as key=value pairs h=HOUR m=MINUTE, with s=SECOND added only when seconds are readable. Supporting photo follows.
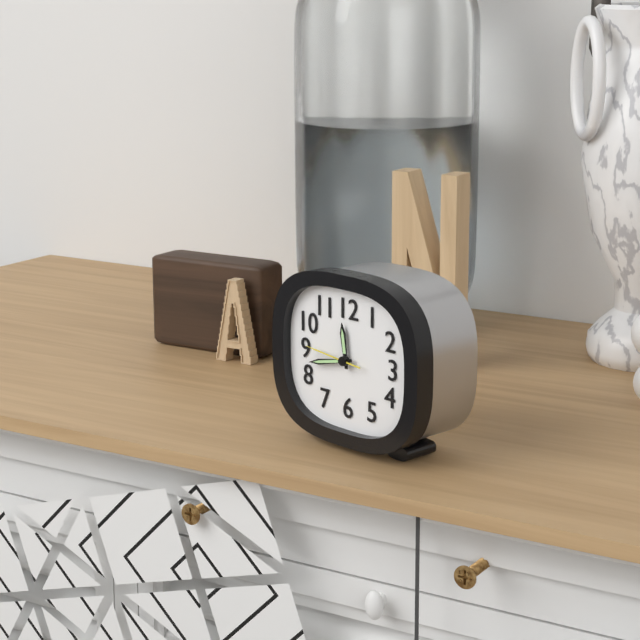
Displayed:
h=11 m=43 s=46
